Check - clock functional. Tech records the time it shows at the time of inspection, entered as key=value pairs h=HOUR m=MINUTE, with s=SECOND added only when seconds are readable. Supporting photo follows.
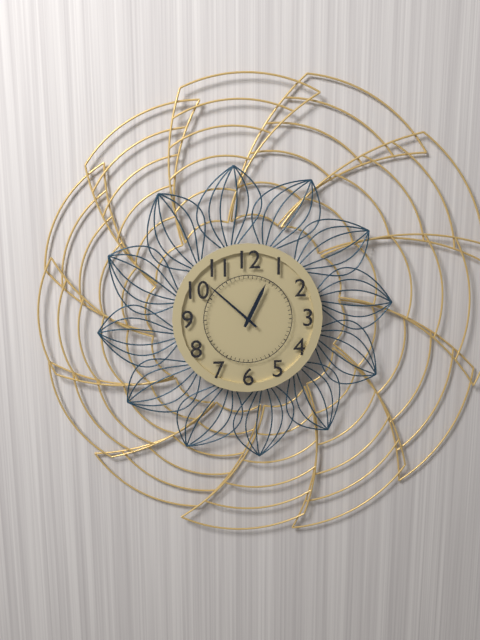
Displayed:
h=12 m=52
